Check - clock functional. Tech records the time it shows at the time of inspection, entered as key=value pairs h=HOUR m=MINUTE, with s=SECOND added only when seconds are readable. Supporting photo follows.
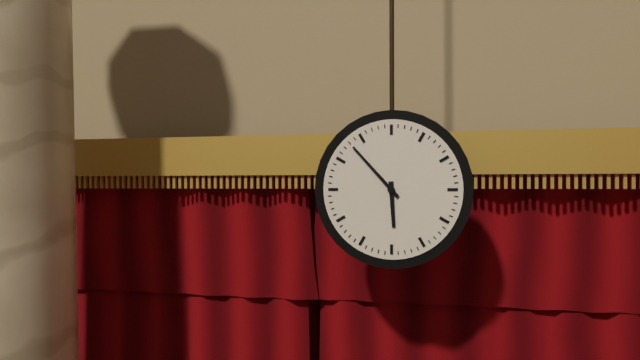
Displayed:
h=5 m=53
